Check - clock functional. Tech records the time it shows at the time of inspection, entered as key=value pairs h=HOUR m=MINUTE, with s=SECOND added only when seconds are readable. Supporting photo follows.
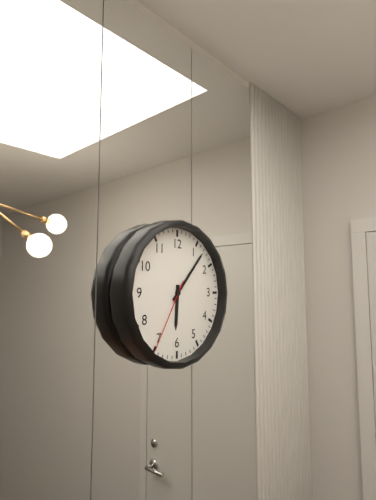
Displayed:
h=6 m=7 s=35
